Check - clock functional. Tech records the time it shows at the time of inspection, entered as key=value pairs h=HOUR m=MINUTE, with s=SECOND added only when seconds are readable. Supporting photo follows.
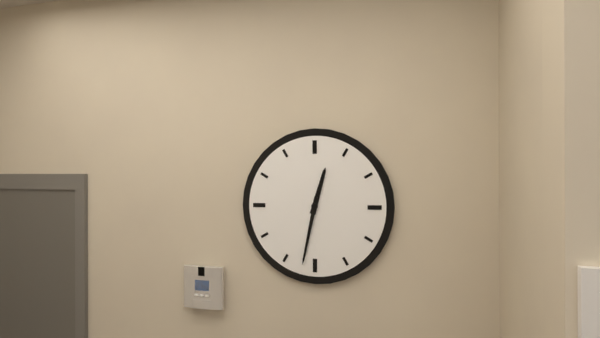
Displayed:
h=12 m=32
